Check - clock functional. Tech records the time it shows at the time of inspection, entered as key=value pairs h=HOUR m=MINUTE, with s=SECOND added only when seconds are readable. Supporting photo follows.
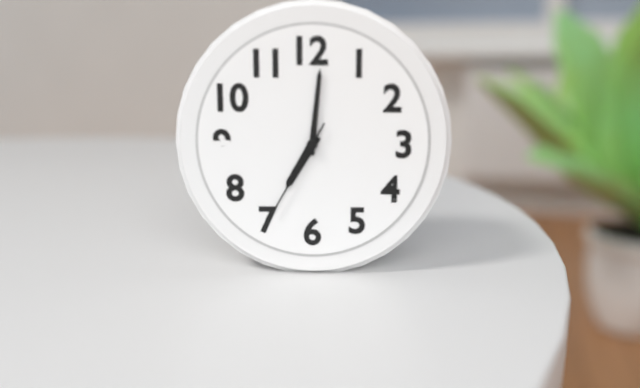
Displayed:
h=7 m=1 s=35
